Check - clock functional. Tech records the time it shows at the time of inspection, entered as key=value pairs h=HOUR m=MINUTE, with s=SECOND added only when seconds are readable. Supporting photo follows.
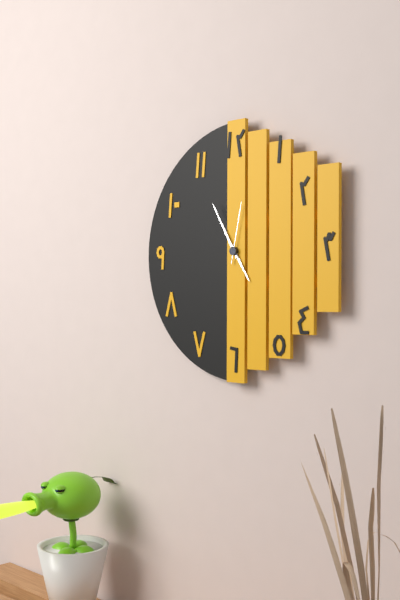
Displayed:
h=4 m=55 s=2
